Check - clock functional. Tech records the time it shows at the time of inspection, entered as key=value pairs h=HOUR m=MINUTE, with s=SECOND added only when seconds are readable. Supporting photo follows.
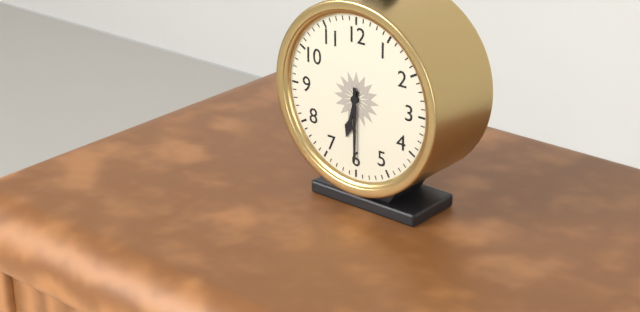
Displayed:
h=6 m=30
